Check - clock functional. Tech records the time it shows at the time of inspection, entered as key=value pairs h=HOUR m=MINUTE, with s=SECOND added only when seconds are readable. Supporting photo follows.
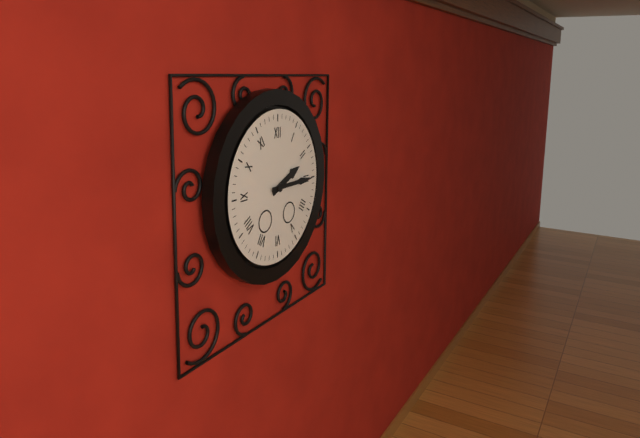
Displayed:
h=2 m=15
